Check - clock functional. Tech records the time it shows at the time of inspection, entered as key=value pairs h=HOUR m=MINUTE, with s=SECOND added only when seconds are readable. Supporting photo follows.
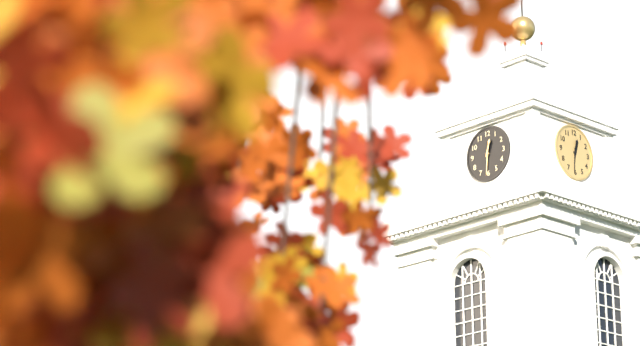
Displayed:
h=12 m=31
